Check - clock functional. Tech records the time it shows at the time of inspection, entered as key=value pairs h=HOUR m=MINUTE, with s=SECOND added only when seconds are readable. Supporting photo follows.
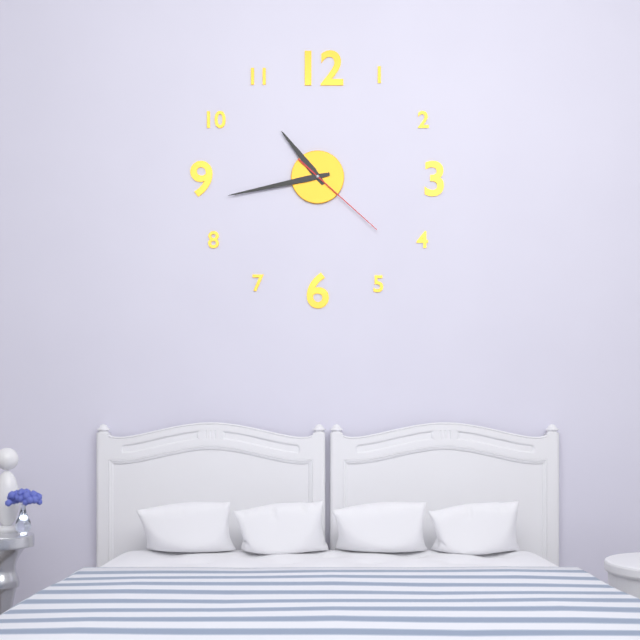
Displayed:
h=10 m=43 s=22
